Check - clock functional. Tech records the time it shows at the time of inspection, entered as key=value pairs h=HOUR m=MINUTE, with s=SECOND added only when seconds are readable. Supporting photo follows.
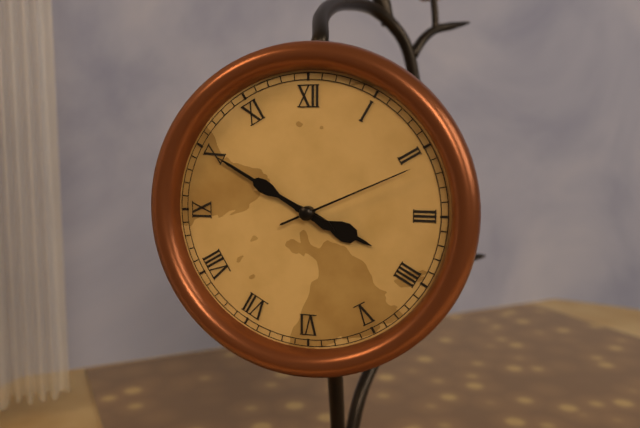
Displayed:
h=3 m=50 s=11
